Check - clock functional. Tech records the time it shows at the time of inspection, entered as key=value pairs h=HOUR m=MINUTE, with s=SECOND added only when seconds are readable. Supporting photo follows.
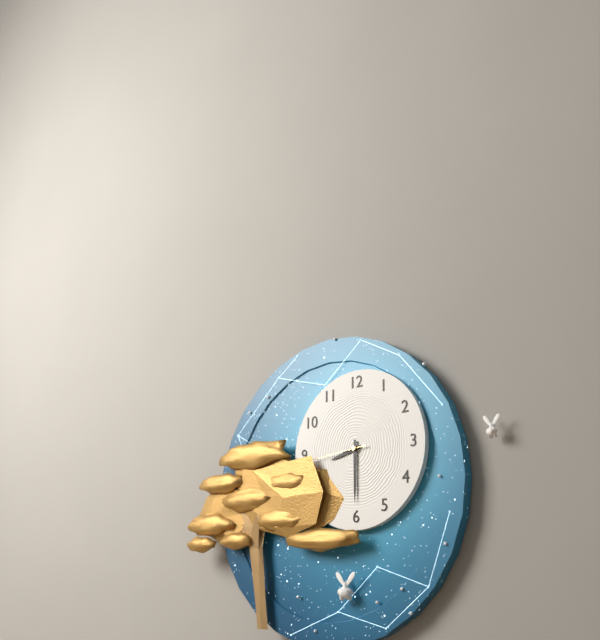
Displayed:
h=8 m=30 s=44
